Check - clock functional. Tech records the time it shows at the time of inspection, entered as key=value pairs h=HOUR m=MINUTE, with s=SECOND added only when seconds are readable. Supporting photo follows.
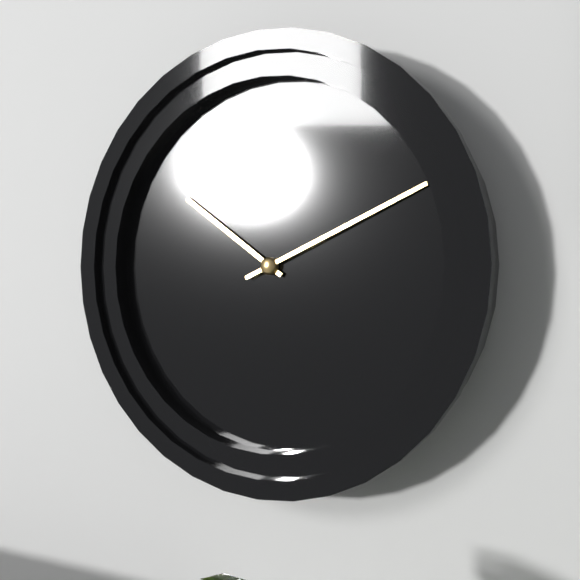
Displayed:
h=10 m=11
